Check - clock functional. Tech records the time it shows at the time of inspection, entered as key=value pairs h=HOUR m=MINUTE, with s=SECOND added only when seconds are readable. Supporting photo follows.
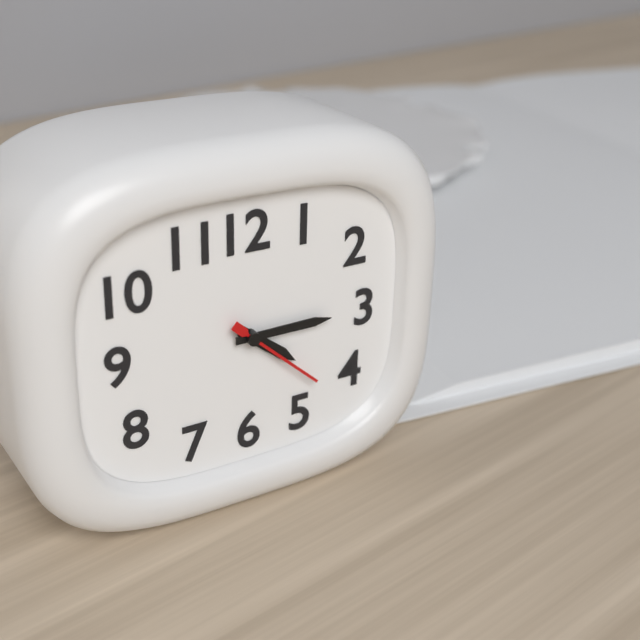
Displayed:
h=4 m=15 s=22
